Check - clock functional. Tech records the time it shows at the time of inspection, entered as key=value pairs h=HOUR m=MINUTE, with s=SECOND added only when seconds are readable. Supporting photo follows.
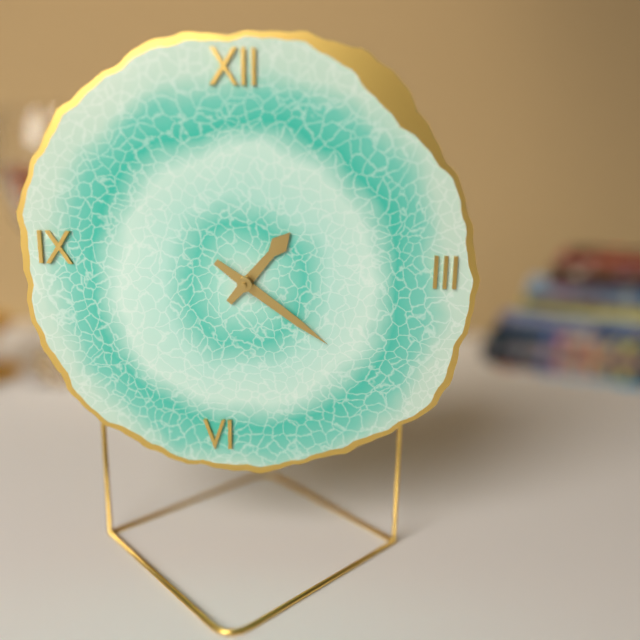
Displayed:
h=1 m=21
